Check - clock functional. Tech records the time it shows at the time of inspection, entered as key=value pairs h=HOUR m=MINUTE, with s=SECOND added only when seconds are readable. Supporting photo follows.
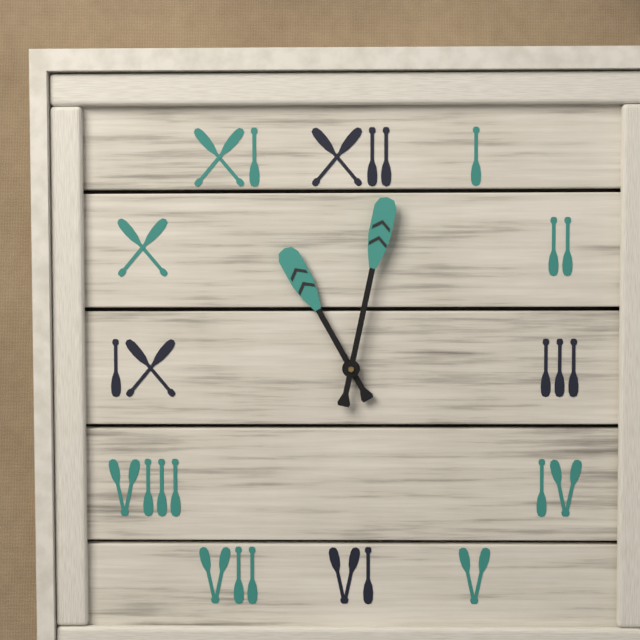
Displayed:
h=11 m=2
